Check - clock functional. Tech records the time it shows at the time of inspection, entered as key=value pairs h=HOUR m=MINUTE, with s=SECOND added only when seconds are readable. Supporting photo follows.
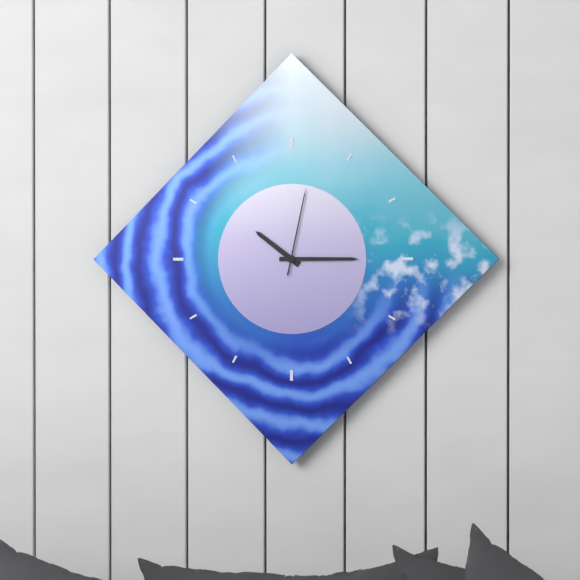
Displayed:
h=10 m=15 s=2
